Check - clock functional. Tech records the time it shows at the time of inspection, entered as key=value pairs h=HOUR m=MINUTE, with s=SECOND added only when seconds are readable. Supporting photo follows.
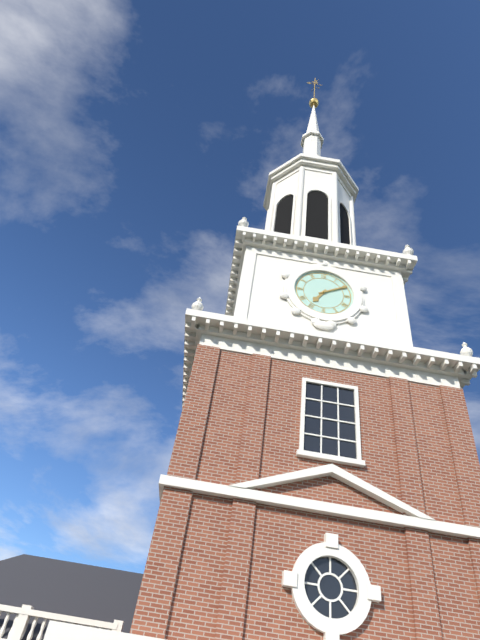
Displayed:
h=7 m=10
